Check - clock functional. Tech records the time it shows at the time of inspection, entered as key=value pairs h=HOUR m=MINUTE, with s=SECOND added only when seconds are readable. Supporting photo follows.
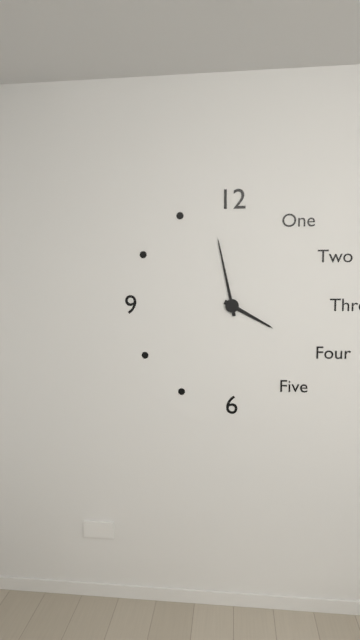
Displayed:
h=3 m=58
